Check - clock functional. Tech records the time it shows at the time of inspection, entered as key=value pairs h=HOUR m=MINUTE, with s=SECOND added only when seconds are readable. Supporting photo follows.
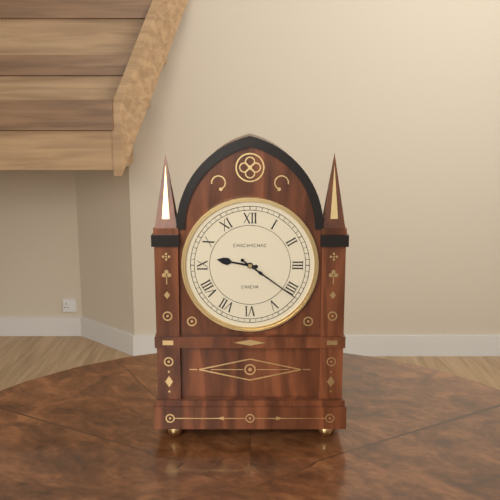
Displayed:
h=9 m=21
